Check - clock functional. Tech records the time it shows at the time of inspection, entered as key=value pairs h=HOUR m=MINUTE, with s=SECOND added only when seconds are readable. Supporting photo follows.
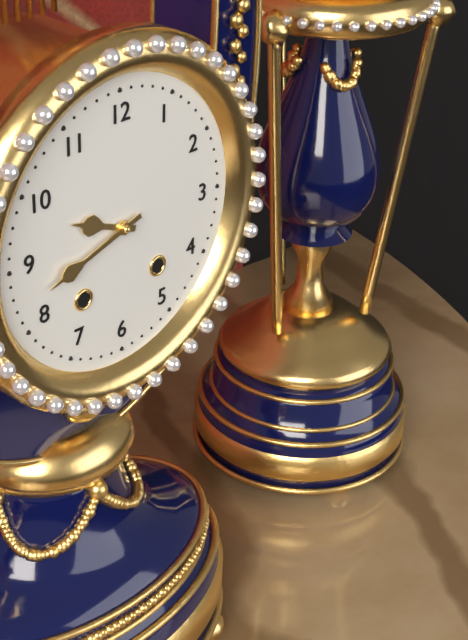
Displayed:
h=9 m=42
